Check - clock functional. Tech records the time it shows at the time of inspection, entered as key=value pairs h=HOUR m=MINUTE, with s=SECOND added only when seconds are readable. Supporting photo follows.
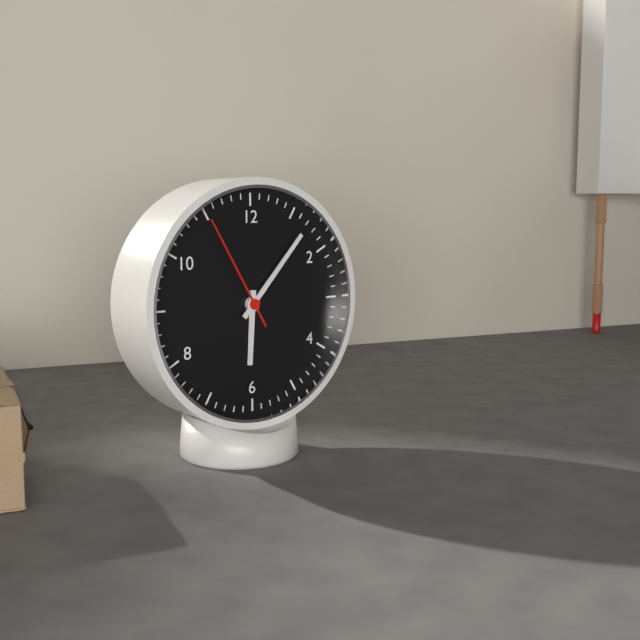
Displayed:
h=6 m=7 s=55
